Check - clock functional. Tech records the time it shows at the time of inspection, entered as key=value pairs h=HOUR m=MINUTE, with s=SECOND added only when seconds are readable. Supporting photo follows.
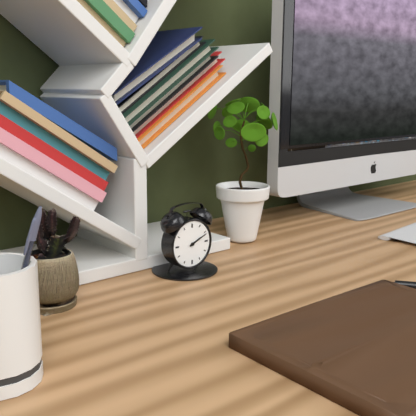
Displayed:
h=2 m=11
